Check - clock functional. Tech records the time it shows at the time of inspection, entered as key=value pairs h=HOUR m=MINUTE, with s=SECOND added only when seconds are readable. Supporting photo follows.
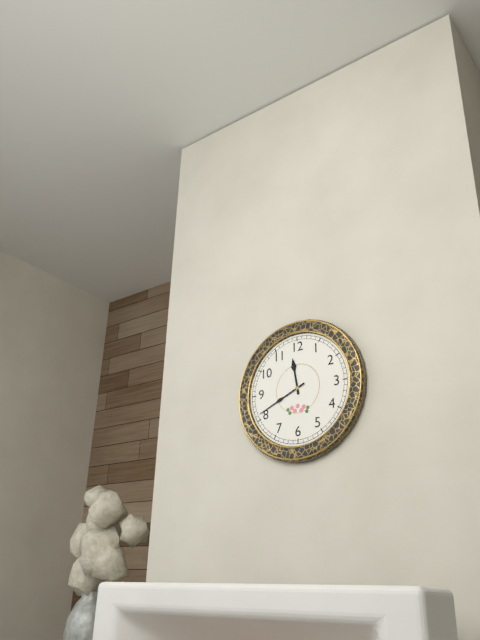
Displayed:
h=11 m=41
